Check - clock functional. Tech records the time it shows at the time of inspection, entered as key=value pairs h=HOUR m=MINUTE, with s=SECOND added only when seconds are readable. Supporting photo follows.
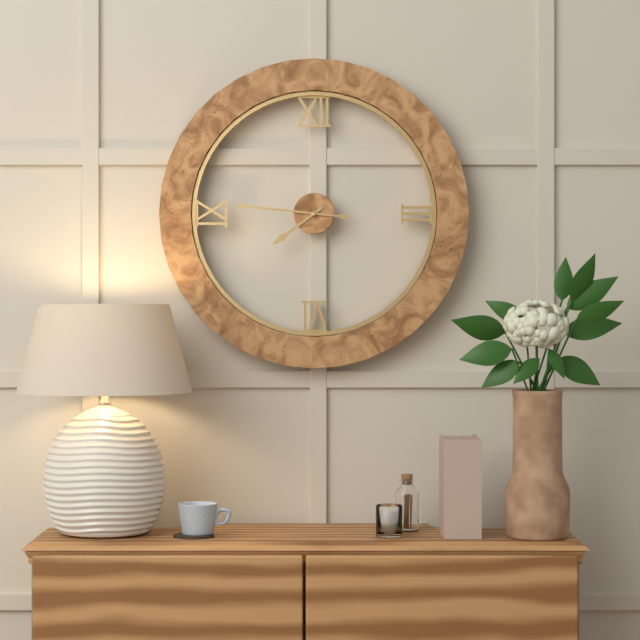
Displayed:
h=7 m=46
